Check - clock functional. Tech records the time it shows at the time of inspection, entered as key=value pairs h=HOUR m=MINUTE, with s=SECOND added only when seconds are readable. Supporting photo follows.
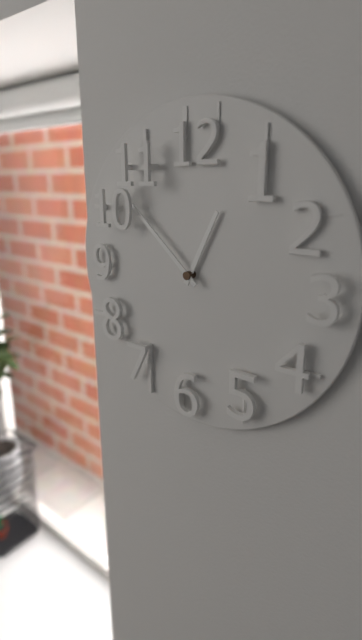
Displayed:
h=12 m=52
